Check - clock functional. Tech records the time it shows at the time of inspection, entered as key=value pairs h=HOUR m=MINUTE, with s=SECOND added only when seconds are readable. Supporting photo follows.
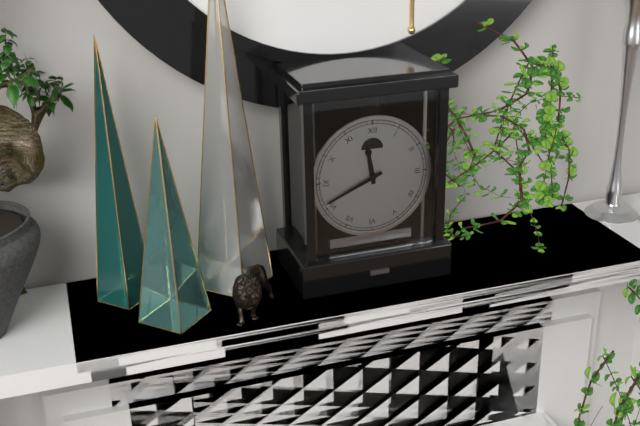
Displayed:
h=11 m=41
